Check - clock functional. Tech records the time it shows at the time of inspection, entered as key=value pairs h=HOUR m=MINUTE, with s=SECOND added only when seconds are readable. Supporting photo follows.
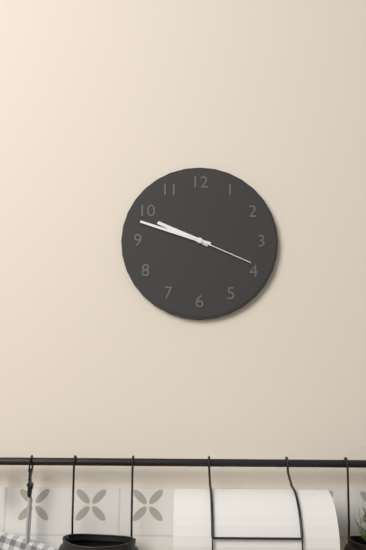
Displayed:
h=9 m=48 s=19
